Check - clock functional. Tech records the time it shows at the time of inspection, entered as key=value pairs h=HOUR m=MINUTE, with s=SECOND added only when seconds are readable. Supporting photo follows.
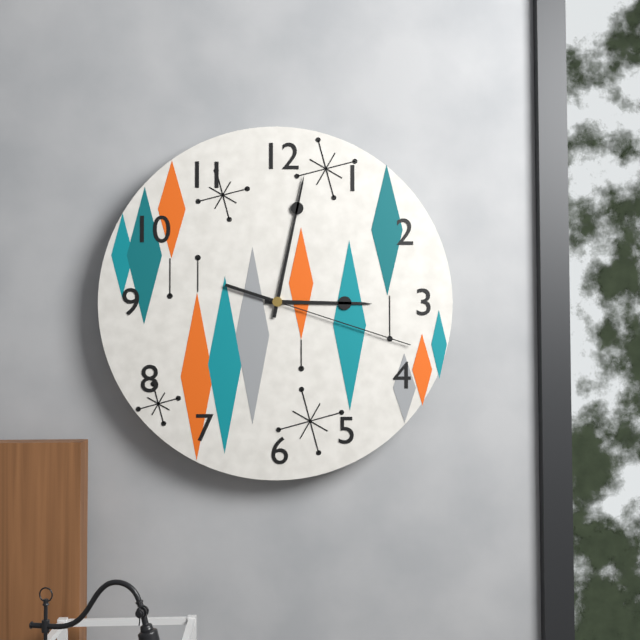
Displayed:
h=3 m=2 s=18
